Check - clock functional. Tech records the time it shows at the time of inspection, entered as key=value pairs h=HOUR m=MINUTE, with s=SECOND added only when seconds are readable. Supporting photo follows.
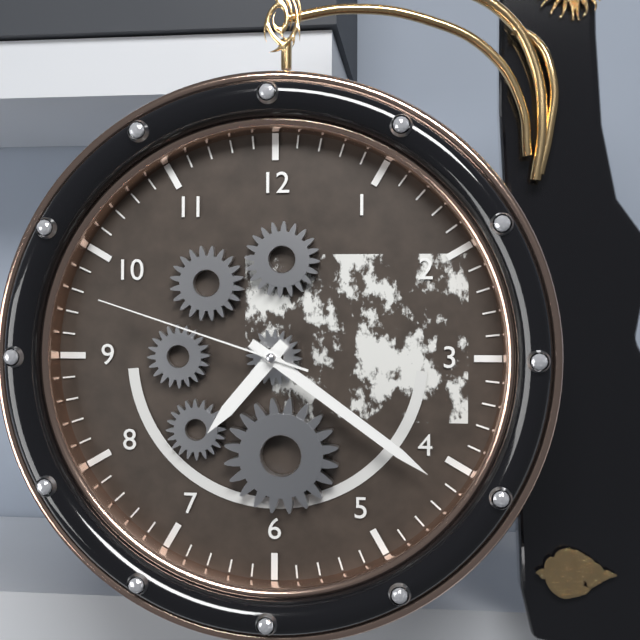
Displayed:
h=7 m=21 s=48
